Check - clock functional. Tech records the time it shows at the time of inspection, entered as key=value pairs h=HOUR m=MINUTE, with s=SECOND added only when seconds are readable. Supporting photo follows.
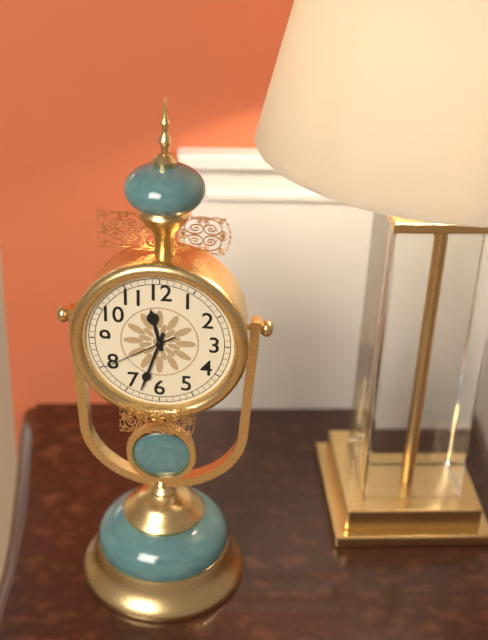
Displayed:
h=11 m=33 s=40
